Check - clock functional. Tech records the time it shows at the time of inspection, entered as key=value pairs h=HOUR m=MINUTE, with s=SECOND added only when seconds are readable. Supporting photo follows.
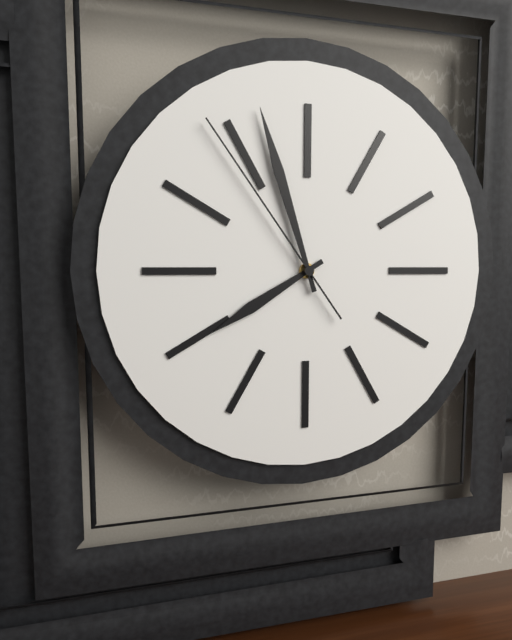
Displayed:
h=7 m=57 s=54
